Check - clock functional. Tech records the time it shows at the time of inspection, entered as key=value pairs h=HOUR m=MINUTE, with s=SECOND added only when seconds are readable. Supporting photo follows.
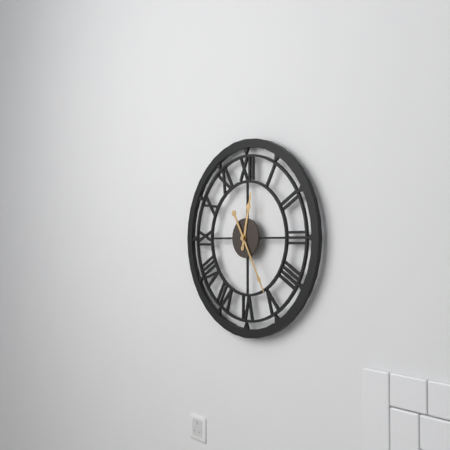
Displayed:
h=12 m=25
